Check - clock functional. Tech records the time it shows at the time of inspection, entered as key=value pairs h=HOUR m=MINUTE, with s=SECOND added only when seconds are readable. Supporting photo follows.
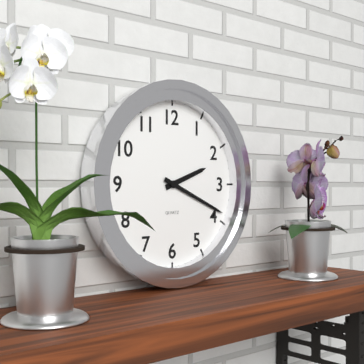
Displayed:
h=2 m=19
